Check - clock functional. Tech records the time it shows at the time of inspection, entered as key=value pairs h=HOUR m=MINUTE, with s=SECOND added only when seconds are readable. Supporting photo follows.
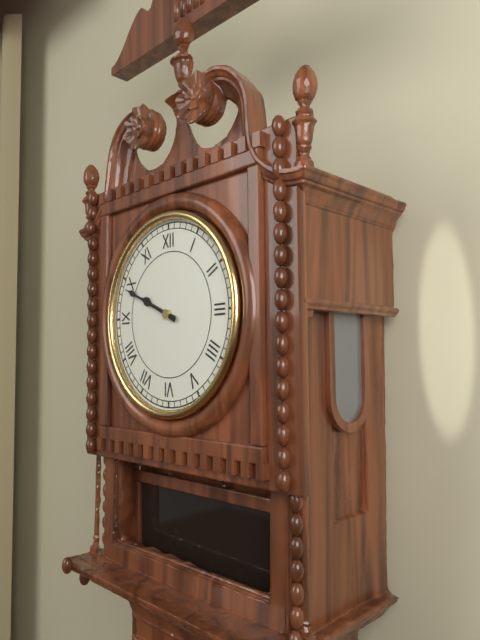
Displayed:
h=9 m=49
